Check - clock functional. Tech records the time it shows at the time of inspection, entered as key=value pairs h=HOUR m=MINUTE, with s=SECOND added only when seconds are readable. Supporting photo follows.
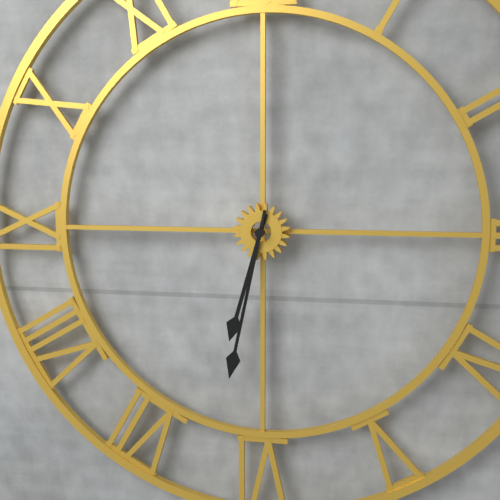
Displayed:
h=6 m=32
